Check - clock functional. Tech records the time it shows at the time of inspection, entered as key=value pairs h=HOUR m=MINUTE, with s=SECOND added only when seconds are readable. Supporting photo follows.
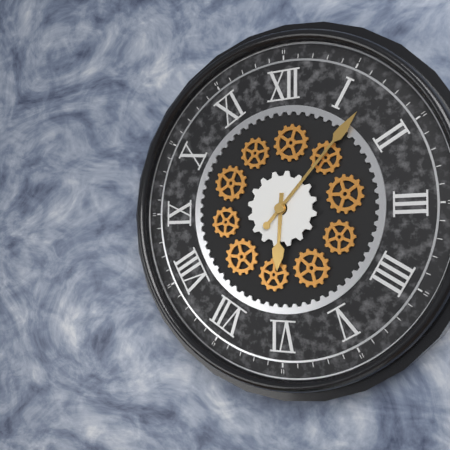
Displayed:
h=6 m=7
